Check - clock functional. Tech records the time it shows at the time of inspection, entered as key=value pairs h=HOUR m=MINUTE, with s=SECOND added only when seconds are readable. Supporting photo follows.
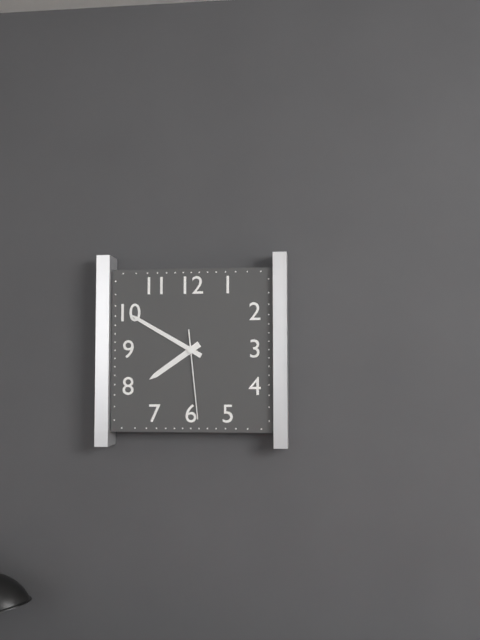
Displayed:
h=7 m=50 s=29
